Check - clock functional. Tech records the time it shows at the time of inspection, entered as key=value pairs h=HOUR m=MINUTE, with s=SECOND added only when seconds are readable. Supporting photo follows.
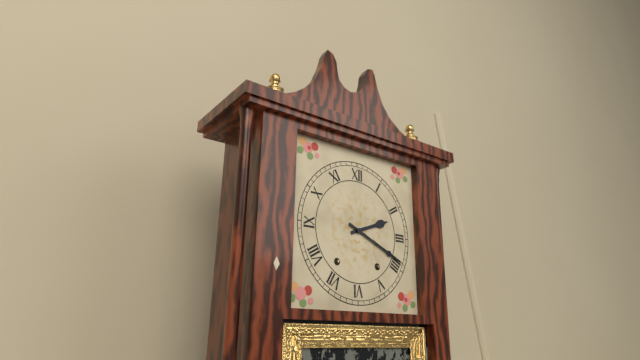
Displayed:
h=2 m=19
